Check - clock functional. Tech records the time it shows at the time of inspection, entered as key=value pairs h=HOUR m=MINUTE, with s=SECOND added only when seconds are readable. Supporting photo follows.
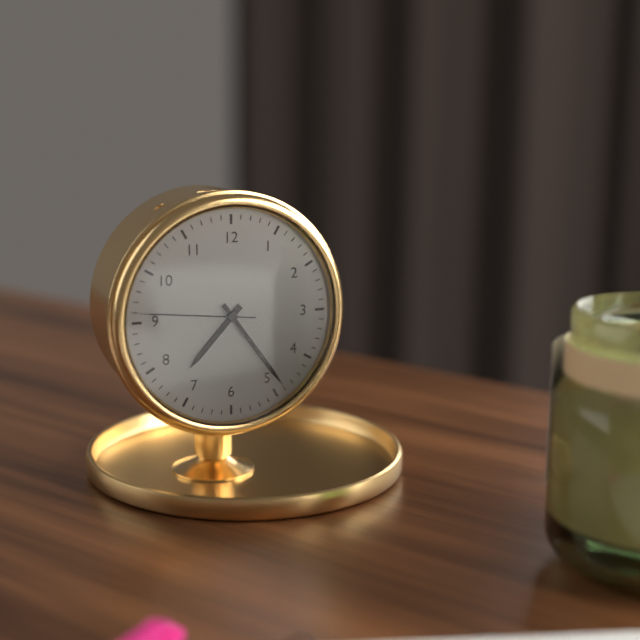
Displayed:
h=7 m=24 s=46
